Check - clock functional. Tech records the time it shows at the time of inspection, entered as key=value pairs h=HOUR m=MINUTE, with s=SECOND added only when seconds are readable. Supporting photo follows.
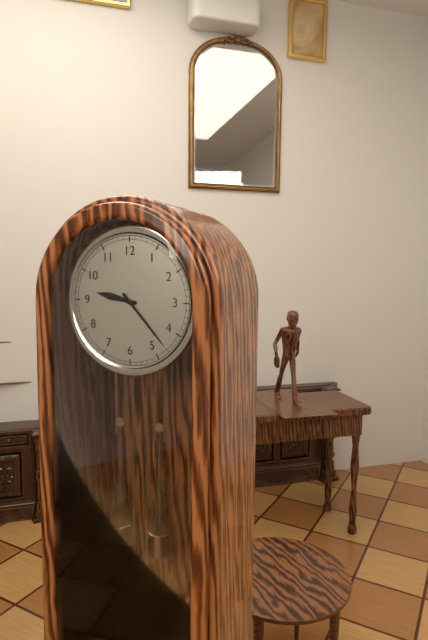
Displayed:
h=9 m=23
